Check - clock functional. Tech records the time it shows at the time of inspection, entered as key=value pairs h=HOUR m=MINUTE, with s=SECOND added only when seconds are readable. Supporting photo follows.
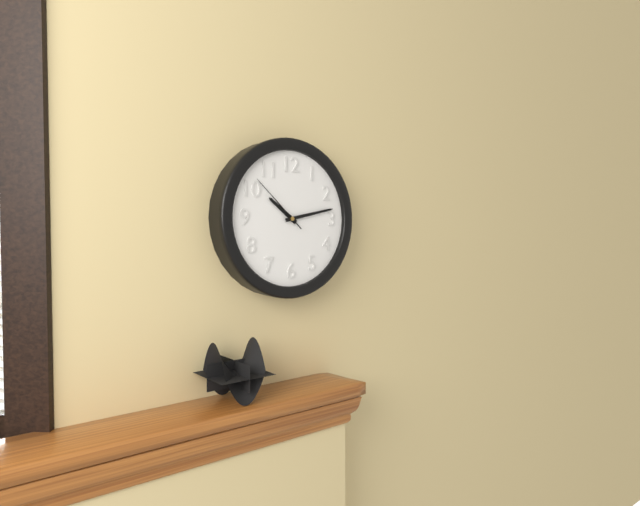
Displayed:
h=10 m=13 s=52
